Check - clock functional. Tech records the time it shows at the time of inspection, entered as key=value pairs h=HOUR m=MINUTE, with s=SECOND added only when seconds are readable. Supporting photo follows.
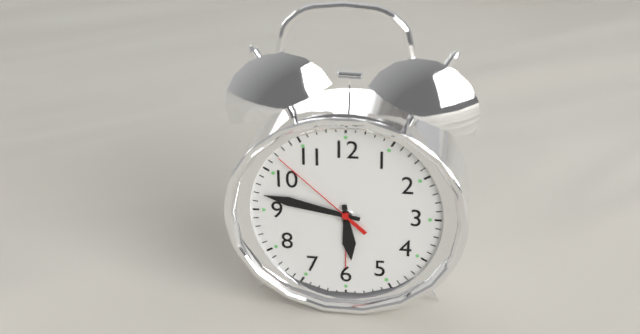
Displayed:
h=5 m=47 s=52
